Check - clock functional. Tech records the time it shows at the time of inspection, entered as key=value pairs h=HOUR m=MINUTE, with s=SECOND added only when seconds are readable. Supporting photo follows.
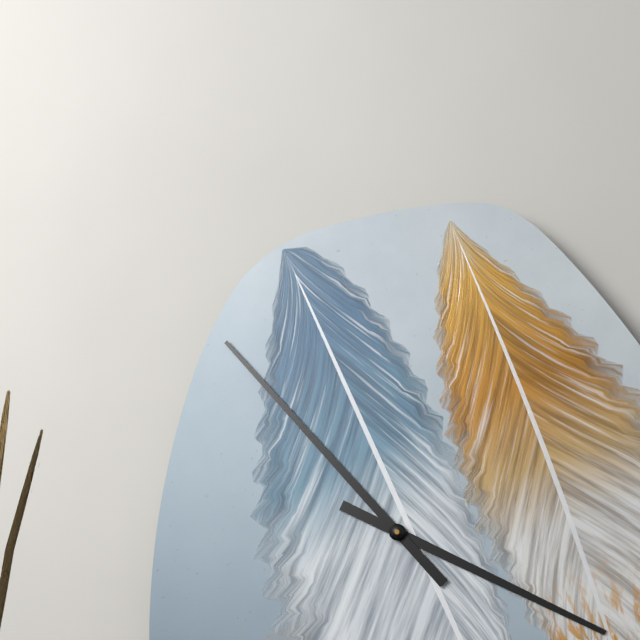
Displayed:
h=3 m=53
